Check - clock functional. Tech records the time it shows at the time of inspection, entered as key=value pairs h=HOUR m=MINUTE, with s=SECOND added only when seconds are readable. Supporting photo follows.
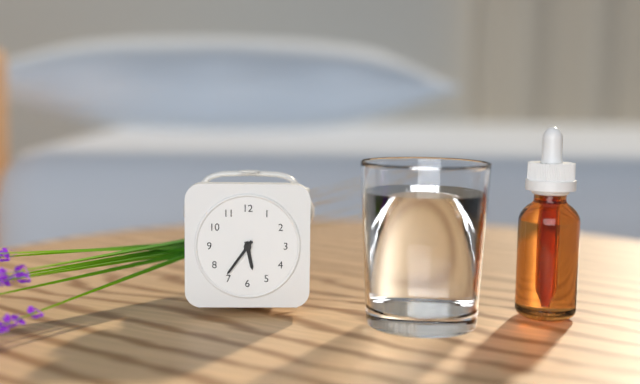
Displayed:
h=5 m=36
